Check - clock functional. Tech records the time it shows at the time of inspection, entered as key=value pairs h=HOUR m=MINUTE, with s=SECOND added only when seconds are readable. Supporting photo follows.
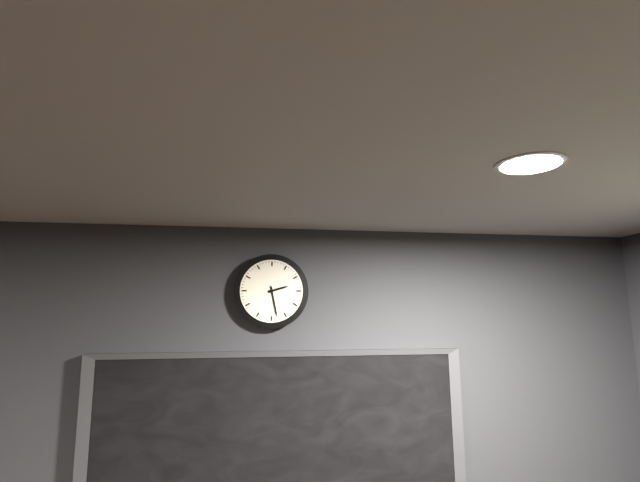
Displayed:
h=2 m=28
